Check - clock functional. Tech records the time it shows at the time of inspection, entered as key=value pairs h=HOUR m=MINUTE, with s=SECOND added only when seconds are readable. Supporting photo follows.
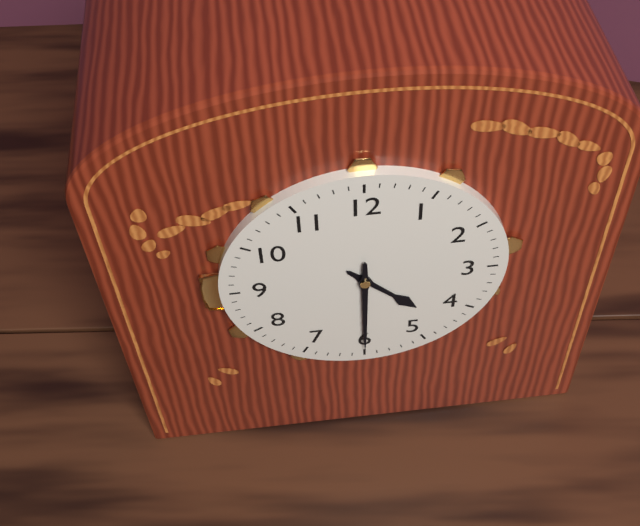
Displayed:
h=4 m=30
